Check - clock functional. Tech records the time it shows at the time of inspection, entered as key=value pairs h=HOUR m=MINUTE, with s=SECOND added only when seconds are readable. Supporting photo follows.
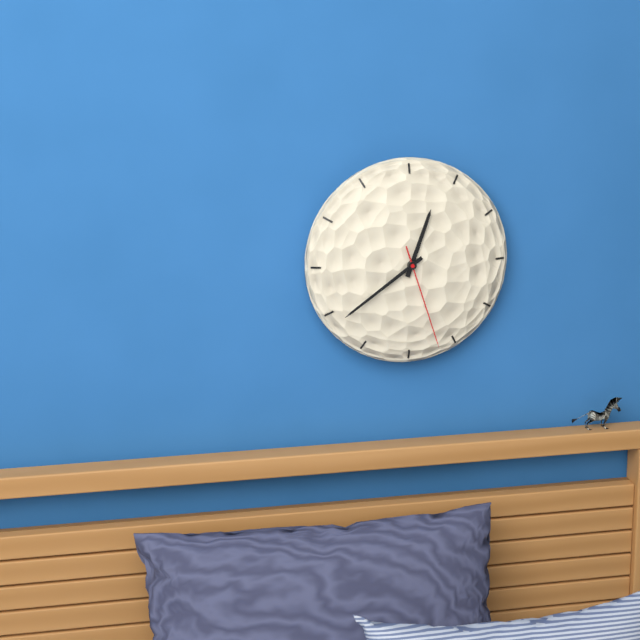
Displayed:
h=12 m=39 s=27
